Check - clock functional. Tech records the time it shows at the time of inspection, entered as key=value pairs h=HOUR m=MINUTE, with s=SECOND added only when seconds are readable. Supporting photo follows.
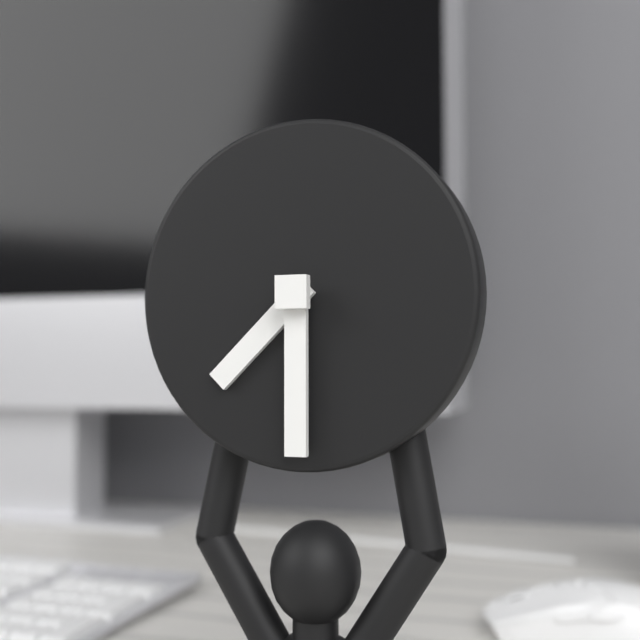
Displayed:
h=7 m=30
